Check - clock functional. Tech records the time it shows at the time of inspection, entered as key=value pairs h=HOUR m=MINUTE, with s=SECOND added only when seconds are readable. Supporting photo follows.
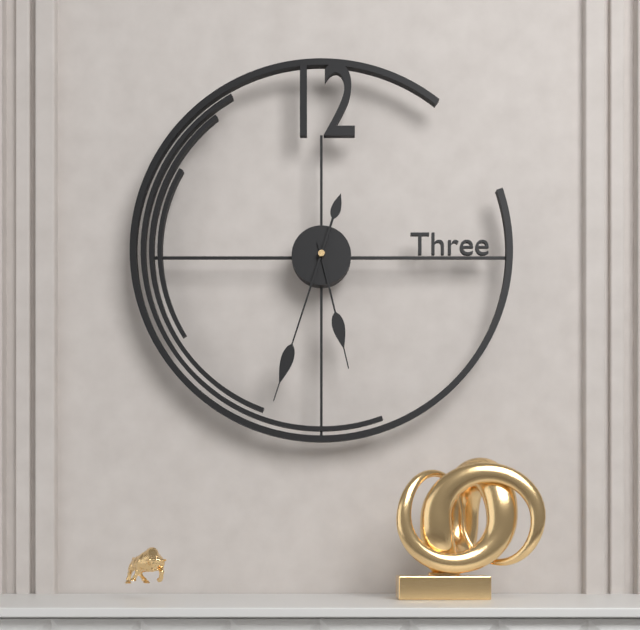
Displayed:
h=5 m=33
